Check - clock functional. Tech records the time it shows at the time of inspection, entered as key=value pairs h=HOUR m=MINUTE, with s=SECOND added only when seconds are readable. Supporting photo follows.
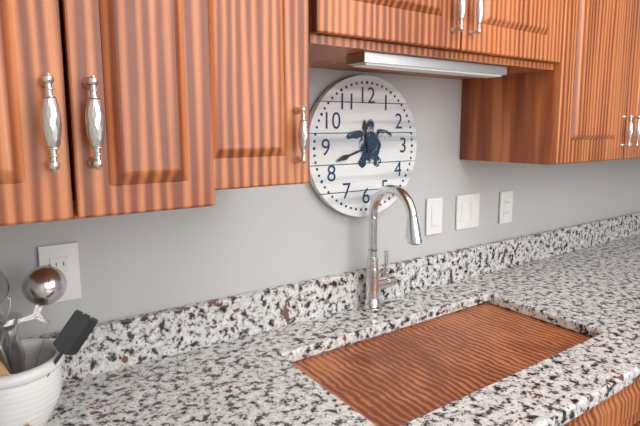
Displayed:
h=11 m=42
